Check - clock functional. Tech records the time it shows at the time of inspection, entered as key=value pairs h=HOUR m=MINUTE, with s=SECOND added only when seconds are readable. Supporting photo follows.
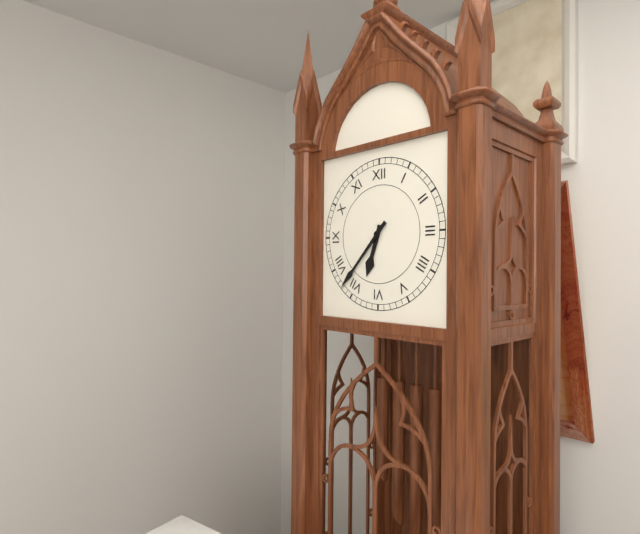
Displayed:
h=6 m=37
